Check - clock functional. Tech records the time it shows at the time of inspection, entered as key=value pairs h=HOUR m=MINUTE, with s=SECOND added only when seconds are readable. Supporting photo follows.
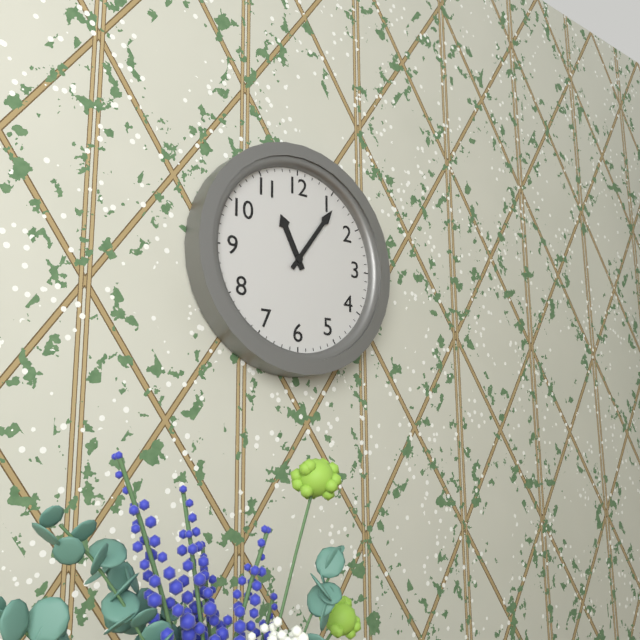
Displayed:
h=11 m=6
